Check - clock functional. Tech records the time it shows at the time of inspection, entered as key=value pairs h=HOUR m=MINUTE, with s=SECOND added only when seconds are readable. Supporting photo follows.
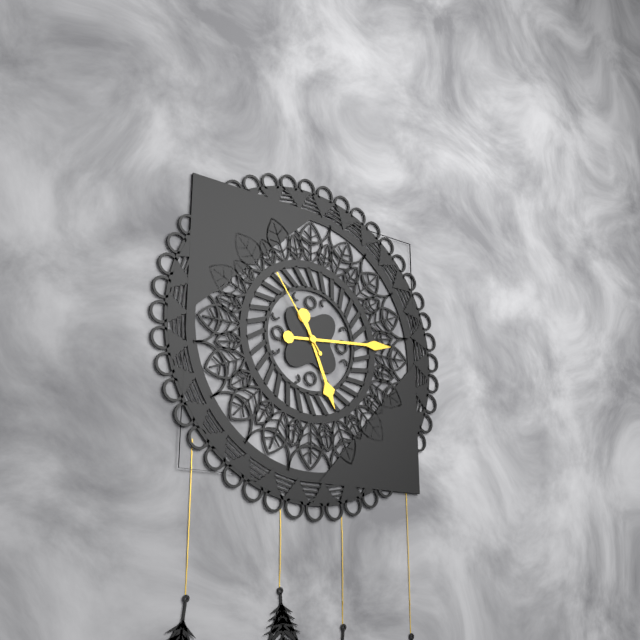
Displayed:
h=5 m=14 s=54
